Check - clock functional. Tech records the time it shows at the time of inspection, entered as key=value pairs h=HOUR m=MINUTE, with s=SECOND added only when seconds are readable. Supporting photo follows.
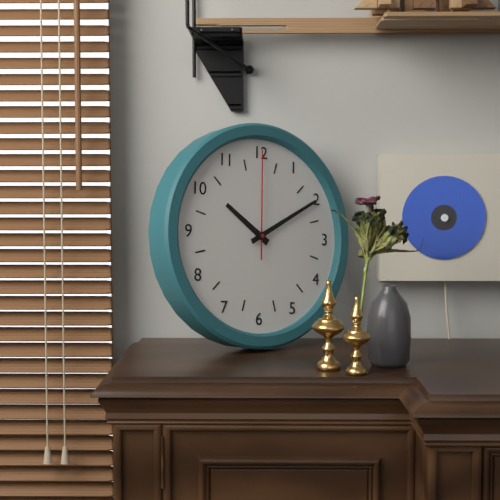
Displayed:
h=10 m=10 s=0
